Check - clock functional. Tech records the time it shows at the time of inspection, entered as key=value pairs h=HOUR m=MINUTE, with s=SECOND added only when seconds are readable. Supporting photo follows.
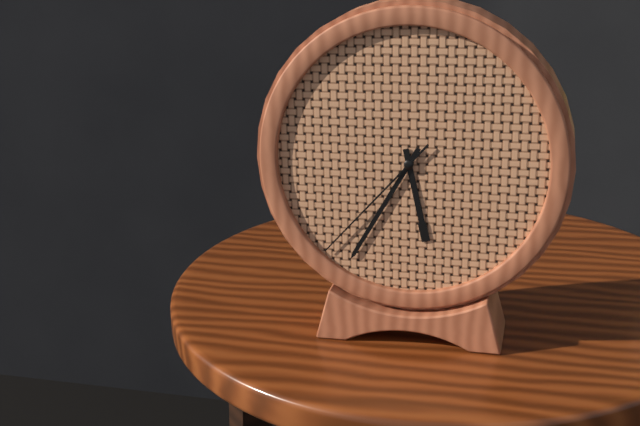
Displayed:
h=5 m=35 s=37
